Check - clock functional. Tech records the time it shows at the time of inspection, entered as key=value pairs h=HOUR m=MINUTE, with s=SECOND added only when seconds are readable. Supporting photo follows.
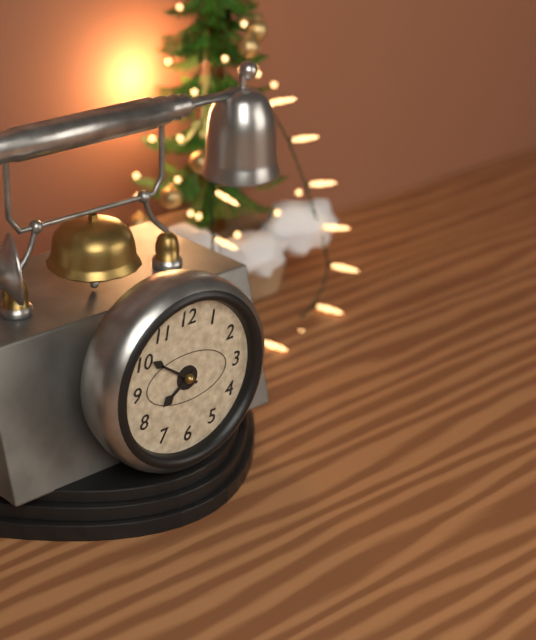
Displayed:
h=7 m=51
